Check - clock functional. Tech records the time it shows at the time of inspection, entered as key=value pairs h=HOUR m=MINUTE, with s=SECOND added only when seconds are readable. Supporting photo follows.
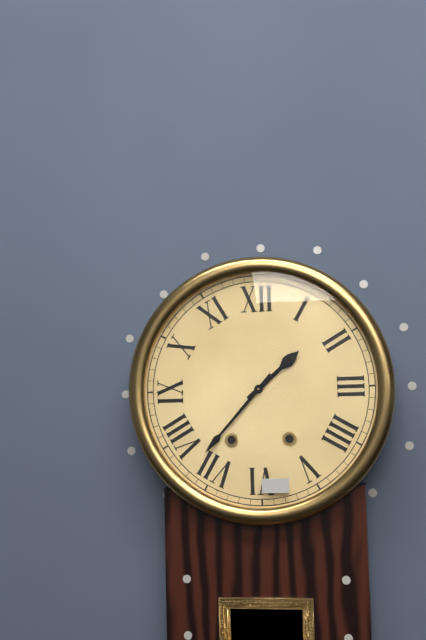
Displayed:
h=1 m=37
